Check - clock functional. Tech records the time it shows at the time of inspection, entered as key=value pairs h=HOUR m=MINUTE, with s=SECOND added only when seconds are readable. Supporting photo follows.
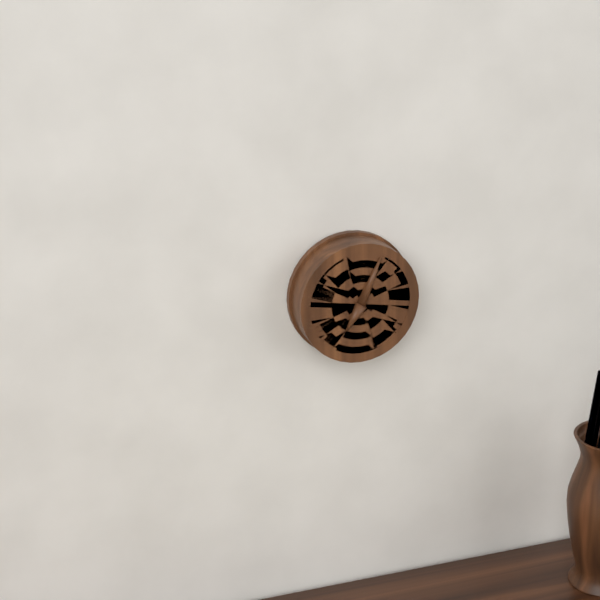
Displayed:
h=7 m=4
